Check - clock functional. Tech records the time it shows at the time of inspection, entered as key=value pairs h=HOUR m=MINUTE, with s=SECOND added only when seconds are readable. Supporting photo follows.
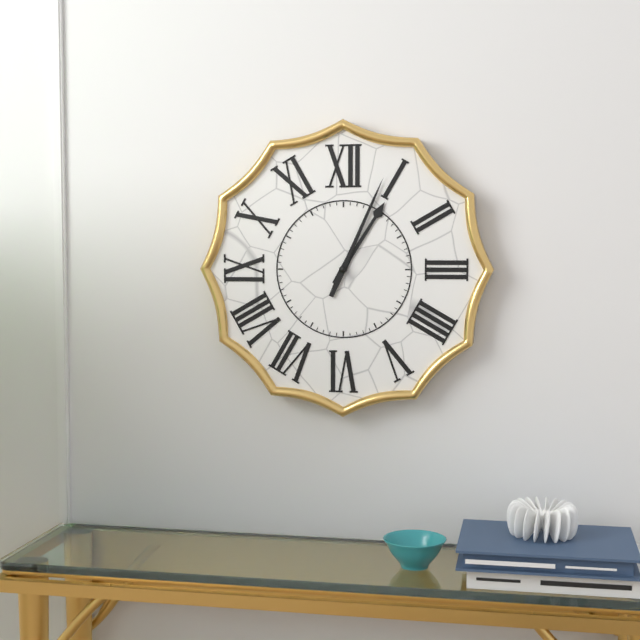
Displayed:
h=1 m=4
